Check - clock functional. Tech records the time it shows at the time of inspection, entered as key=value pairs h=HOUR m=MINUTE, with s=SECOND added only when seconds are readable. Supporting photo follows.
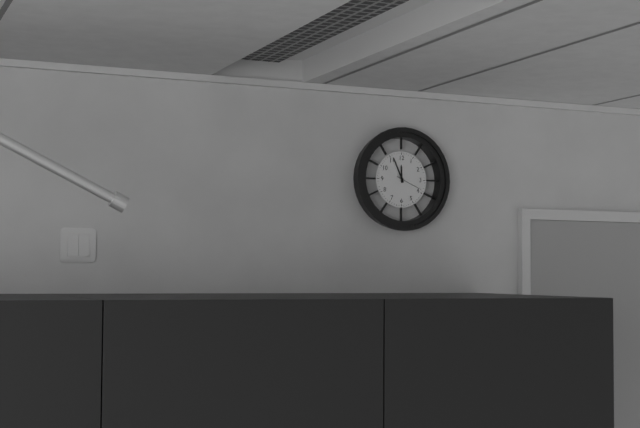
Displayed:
h=11 m=56
